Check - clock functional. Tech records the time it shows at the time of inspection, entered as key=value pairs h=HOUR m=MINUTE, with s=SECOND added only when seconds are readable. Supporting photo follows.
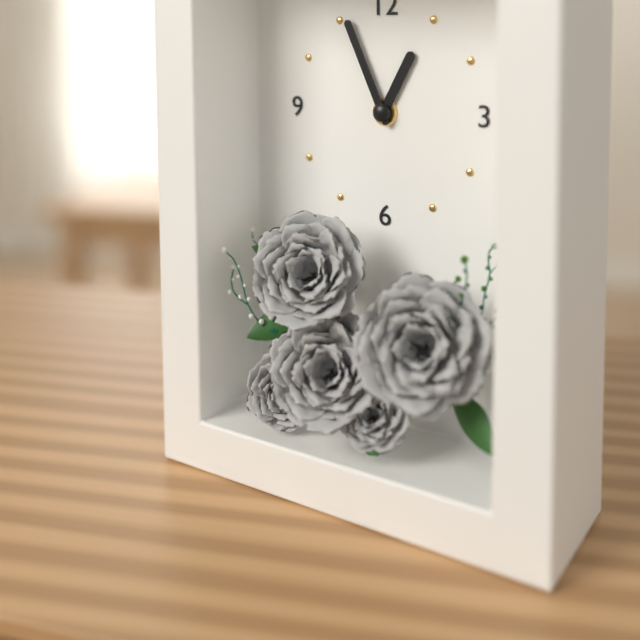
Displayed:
h=12 m=56
